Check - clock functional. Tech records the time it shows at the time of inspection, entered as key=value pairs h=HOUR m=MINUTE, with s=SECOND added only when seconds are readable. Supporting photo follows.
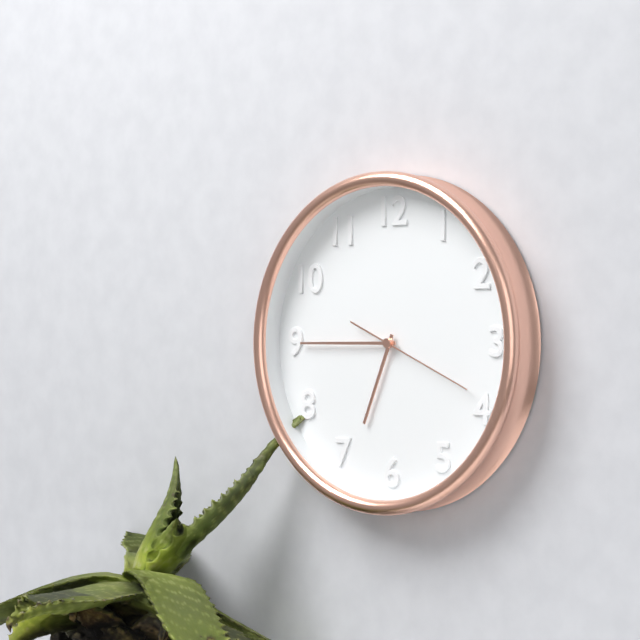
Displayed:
h=6 m=45 s=19
